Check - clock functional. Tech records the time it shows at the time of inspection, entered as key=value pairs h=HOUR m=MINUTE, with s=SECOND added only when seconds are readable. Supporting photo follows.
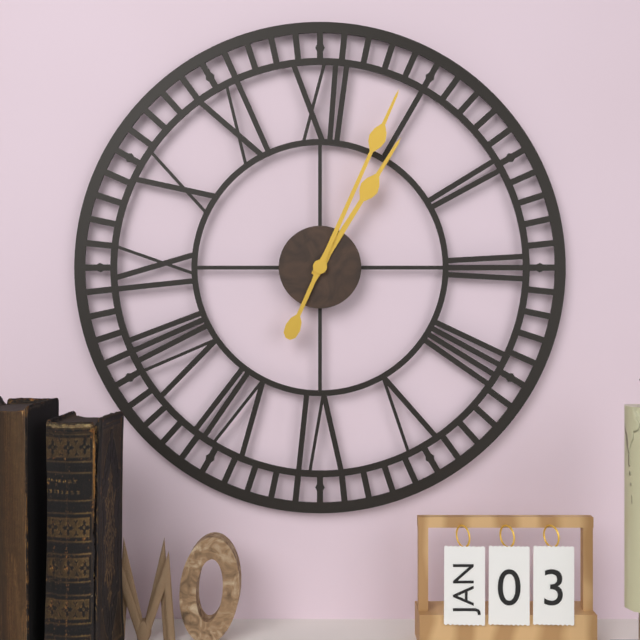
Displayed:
h=1 m=4
